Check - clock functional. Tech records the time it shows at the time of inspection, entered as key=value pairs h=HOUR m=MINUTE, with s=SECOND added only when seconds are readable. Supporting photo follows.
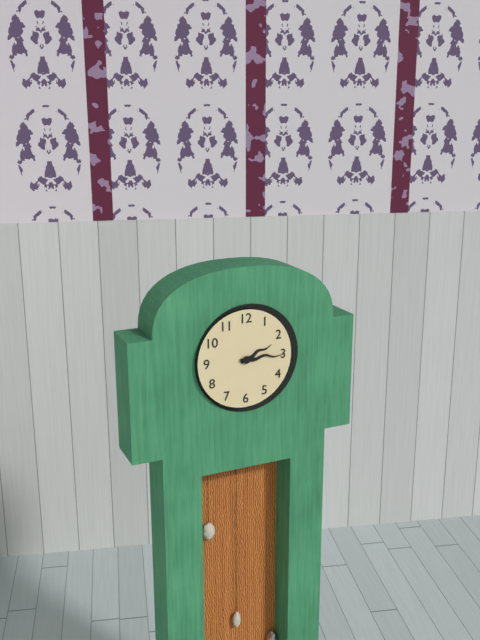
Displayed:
h=2 m=15
